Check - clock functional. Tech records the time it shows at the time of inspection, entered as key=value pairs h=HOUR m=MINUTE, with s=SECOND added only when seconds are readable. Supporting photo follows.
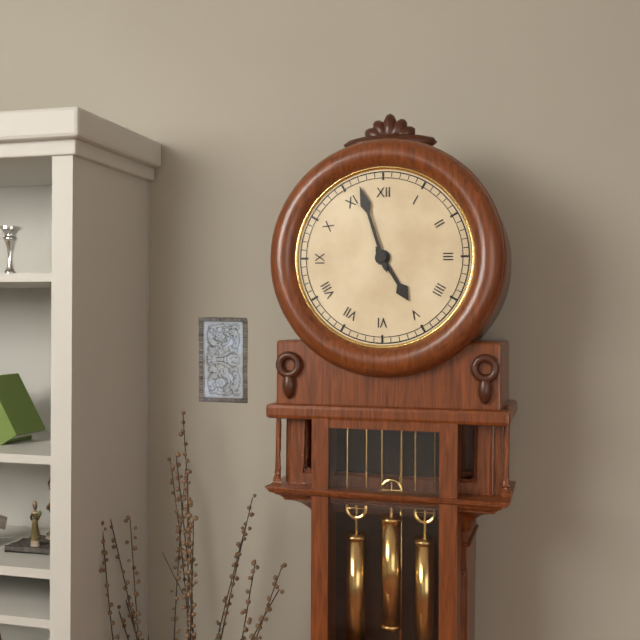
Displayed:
h=4 m=57
